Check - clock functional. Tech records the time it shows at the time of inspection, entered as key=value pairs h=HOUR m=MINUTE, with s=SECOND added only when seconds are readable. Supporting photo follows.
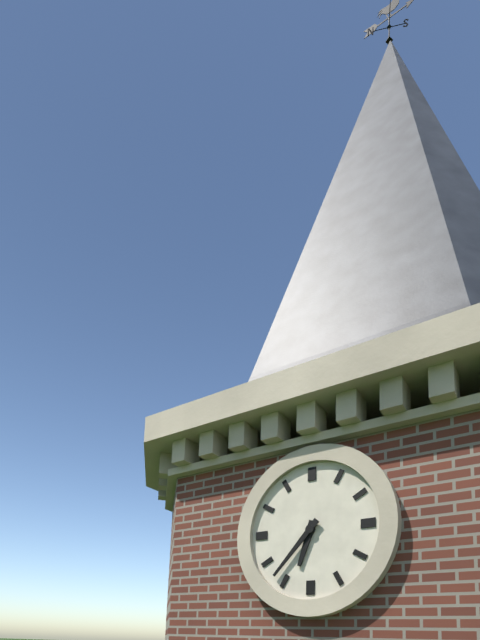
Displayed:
h=6 m=37
